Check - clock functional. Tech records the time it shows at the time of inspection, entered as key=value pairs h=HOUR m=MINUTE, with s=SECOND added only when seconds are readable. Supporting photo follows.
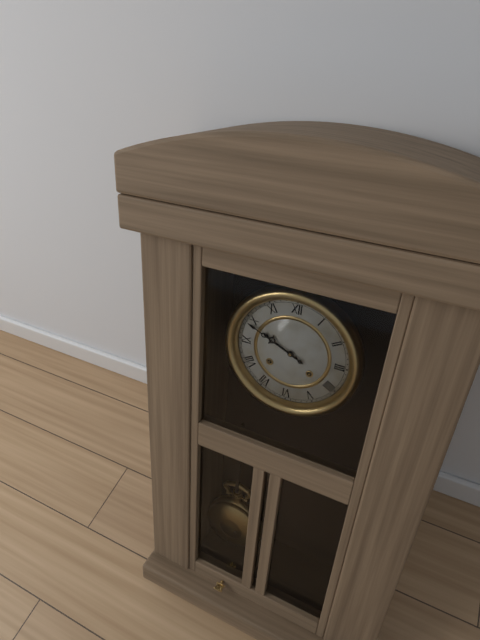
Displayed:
h=9 m=49
